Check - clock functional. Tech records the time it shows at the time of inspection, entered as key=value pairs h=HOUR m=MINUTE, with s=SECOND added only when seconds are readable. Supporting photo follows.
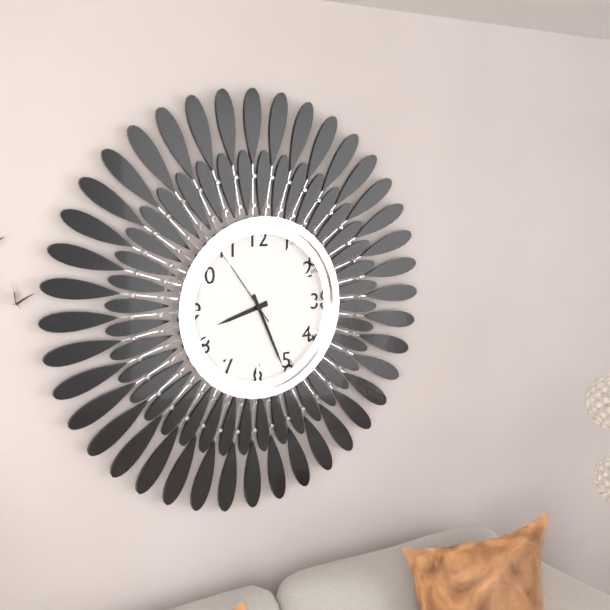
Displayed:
h=8 m=26 s=54
